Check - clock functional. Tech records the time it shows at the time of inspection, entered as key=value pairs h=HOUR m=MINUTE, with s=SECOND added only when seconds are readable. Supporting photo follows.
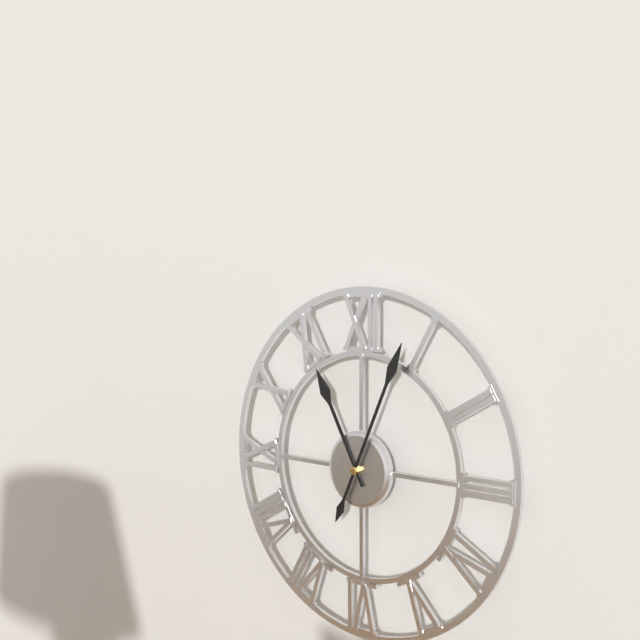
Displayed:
h=11 m=4
